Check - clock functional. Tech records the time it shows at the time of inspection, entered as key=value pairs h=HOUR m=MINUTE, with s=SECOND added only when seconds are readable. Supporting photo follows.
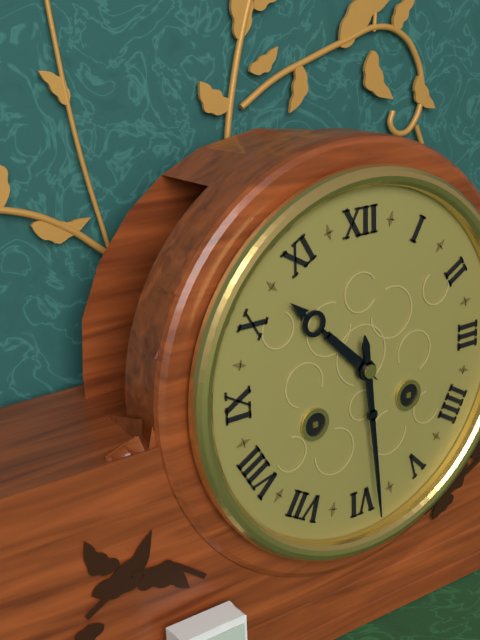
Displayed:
h=10 m=29
